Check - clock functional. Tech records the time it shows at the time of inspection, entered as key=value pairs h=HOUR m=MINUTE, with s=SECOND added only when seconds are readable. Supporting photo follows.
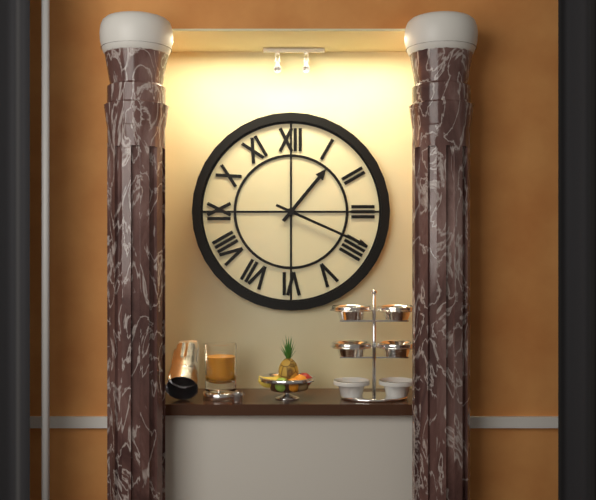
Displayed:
h=1 m=19
